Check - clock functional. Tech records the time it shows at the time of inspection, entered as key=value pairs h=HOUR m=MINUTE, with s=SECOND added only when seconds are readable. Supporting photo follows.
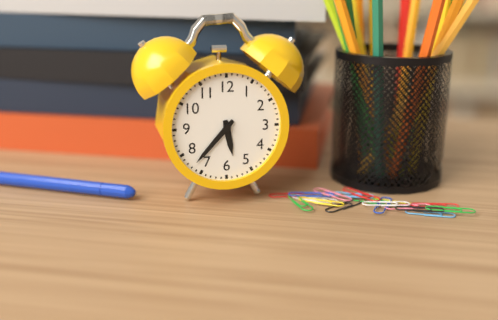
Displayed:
h=5 m=37
